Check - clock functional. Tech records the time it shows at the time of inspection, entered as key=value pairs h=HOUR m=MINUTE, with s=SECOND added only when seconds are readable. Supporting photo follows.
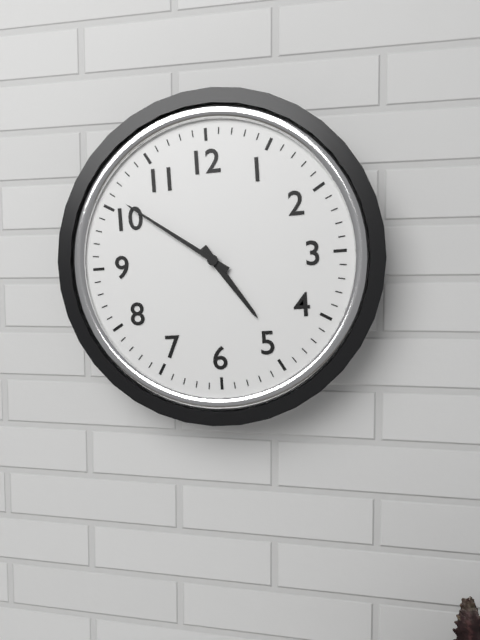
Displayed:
h=4 m=51
